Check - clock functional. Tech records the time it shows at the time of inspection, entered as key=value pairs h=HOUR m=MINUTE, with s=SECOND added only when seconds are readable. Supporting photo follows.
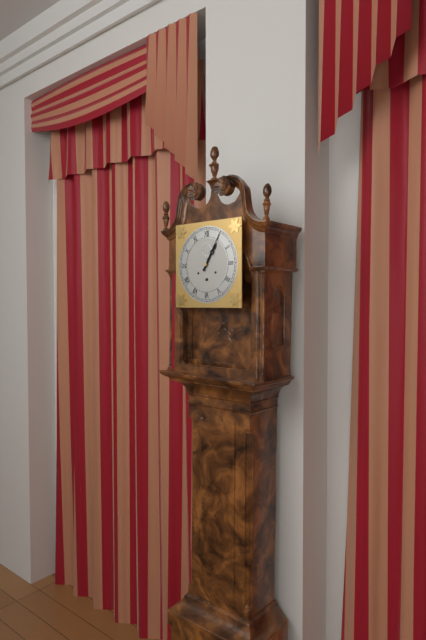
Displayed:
h=1 m=5
